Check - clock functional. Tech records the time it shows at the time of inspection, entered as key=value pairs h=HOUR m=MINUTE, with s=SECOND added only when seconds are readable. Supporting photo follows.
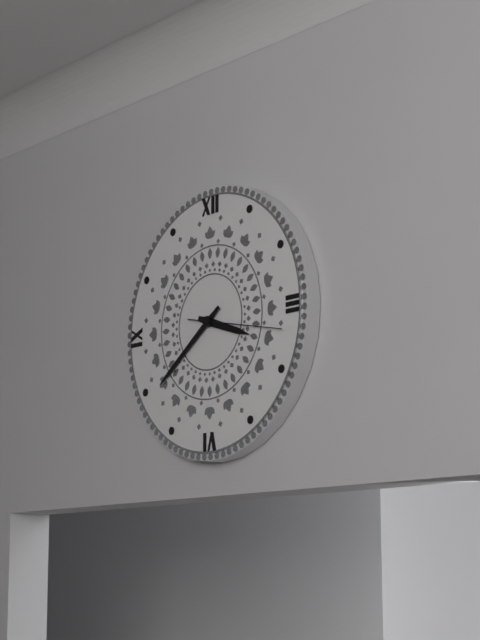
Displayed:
h=3 m=39 s=17
